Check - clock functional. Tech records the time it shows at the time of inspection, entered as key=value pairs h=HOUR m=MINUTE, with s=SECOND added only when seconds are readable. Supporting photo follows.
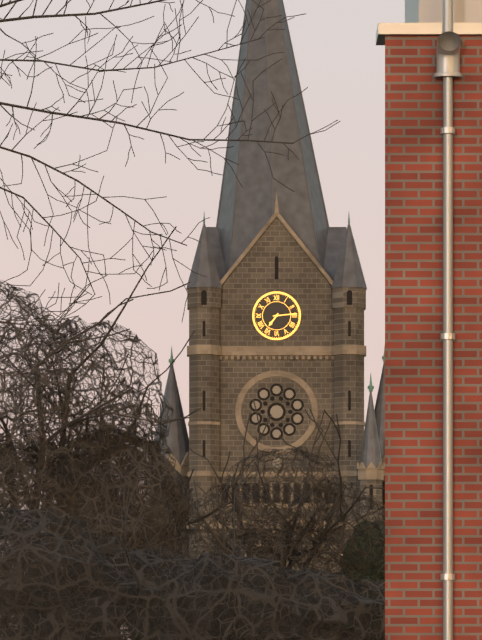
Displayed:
h=7 m=14
